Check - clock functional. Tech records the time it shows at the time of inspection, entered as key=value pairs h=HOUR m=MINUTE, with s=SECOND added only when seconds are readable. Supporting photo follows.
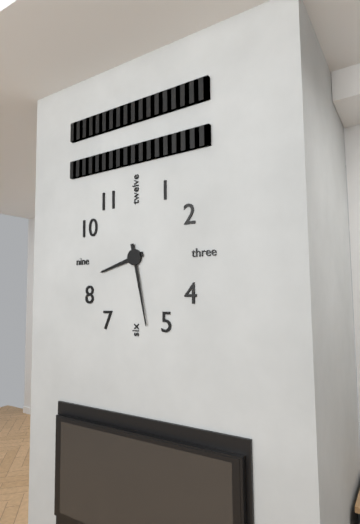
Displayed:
h=8 m=28
